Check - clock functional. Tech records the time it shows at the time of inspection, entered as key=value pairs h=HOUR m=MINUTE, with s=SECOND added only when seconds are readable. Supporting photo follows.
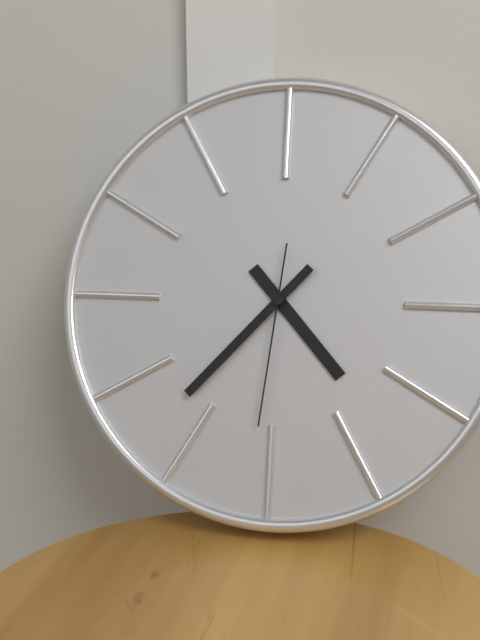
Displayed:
h=4 m=37 s=31
